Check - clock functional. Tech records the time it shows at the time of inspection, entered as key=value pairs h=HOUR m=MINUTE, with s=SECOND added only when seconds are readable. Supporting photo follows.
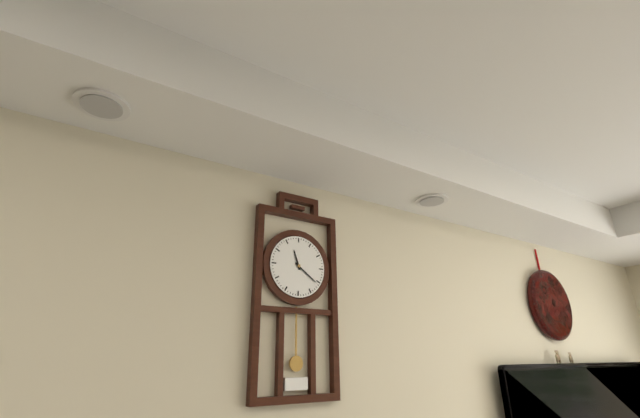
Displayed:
h=11 m=21
